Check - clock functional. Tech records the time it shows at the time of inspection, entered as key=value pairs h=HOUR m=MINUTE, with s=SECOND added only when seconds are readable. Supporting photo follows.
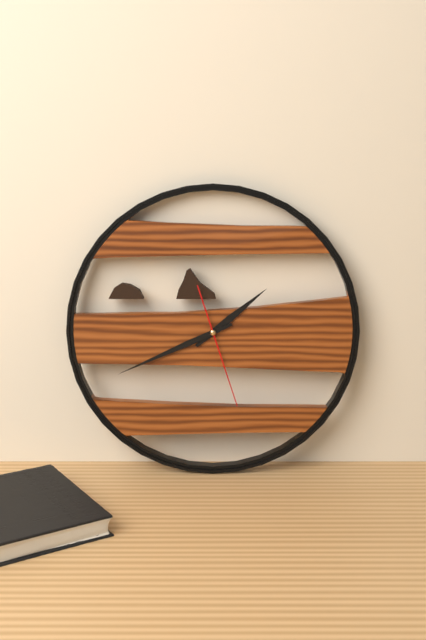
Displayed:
h=1 m=41 s=27
